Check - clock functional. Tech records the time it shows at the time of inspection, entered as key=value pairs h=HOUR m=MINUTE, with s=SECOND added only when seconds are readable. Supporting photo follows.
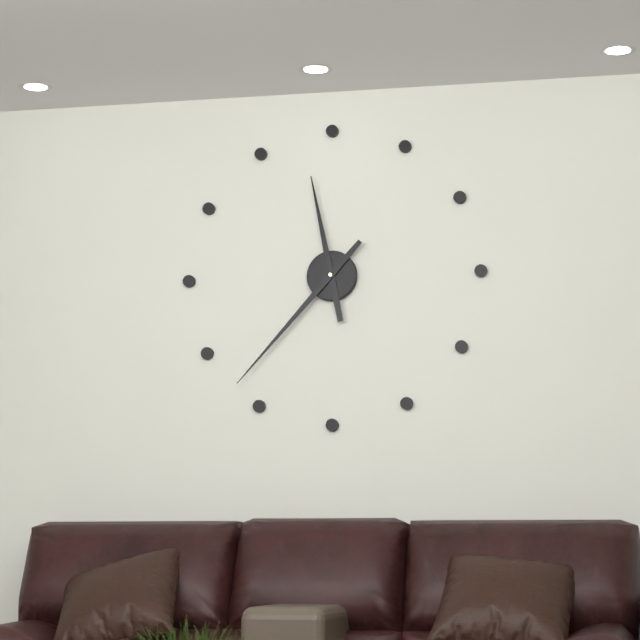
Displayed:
h=11 m=37
